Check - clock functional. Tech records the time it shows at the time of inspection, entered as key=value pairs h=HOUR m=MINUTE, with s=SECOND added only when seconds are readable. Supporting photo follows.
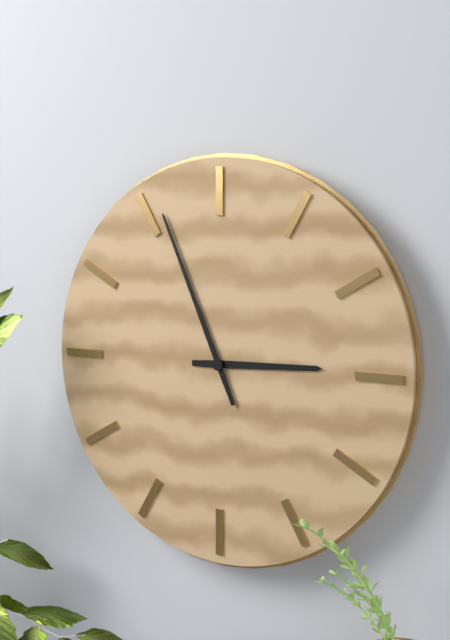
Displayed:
h=2 m=56
